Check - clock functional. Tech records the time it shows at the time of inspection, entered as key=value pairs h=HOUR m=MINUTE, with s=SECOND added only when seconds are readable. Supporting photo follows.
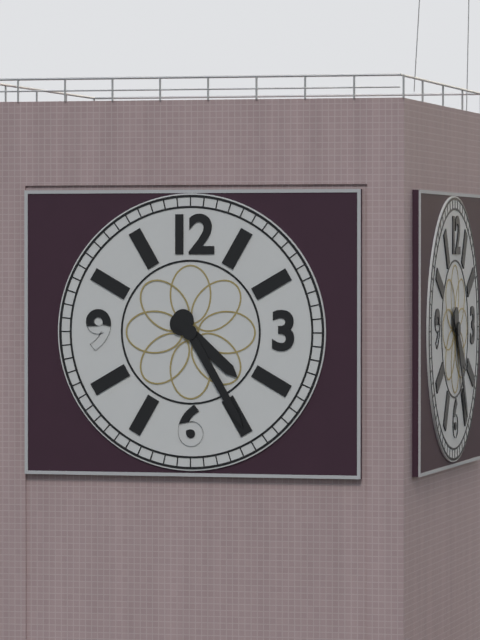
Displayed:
h=4 m=25
